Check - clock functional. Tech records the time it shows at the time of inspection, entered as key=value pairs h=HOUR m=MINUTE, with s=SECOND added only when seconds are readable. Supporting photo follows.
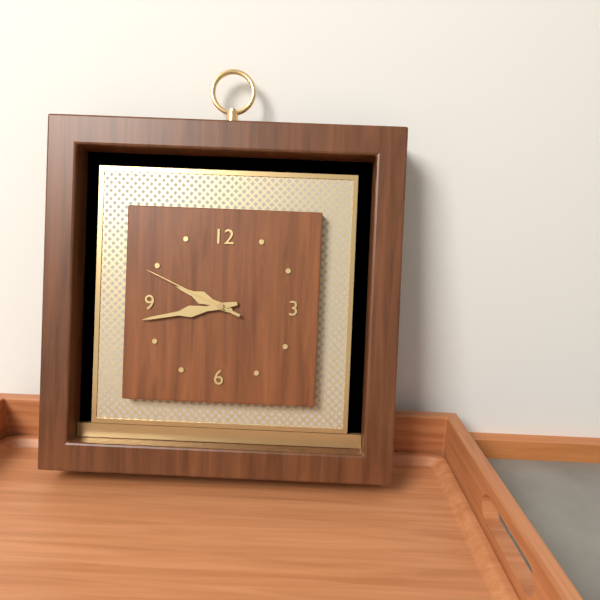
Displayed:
h=9 m=43 s=49
